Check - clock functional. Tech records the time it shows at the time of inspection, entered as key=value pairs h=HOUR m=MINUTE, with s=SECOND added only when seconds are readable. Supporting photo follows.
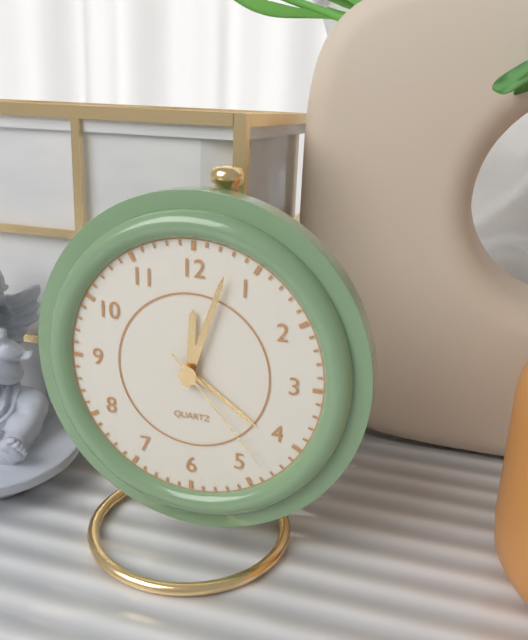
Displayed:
h=12 m=3 s=23
